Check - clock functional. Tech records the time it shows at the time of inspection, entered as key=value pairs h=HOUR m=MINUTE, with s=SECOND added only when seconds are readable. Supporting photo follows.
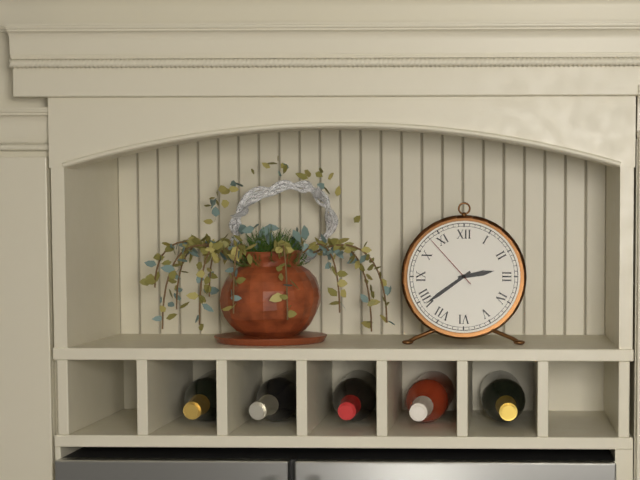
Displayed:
h=2 m=39 s=53
